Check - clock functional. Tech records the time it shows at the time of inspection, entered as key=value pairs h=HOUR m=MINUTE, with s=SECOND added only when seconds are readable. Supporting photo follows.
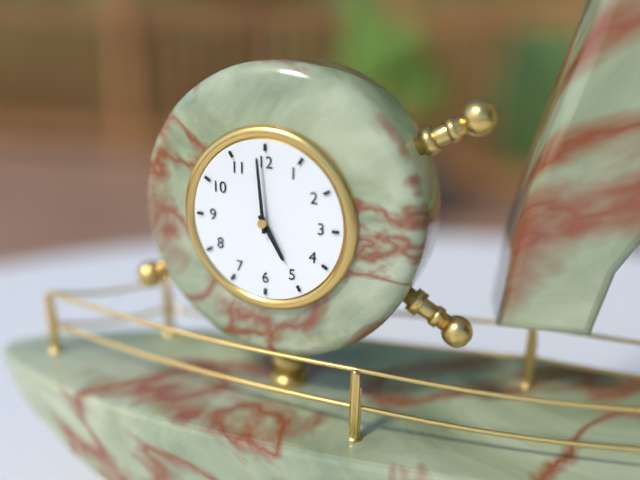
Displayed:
h=4 m=59
